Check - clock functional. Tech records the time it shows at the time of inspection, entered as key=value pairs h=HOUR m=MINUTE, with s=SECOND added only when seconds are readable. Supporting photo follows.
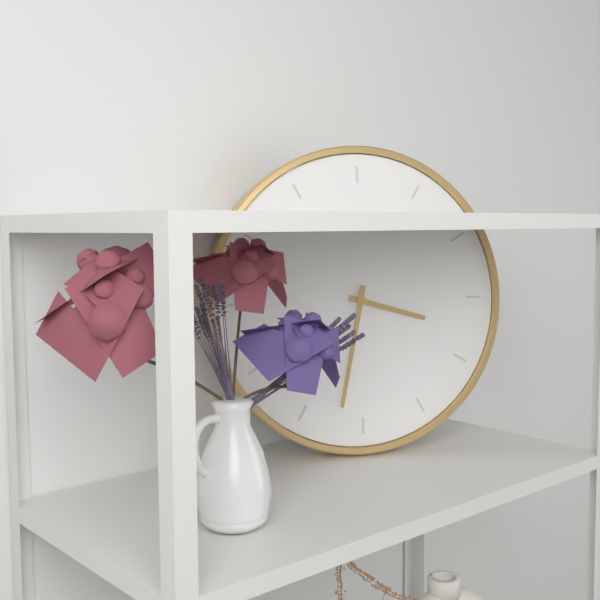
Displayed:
h=3 m=32
